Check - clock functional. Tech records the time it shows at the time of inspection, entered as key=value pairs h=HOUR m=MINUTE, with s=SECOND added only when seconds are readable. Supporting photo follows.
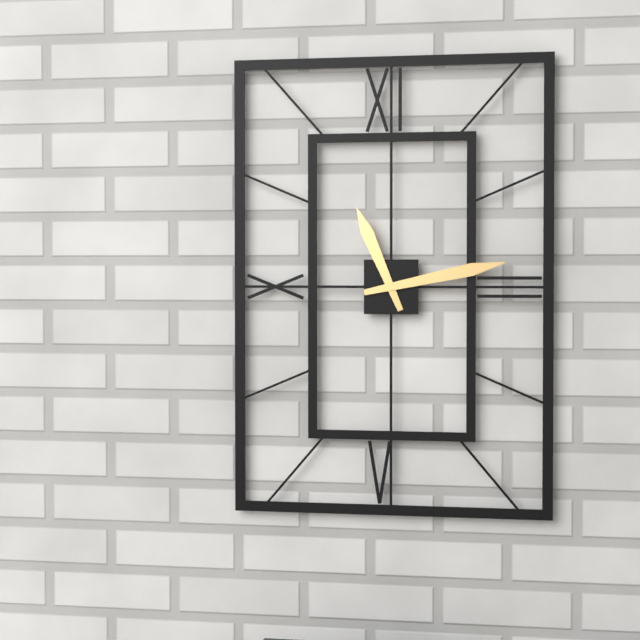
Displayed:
h=11 m=13
